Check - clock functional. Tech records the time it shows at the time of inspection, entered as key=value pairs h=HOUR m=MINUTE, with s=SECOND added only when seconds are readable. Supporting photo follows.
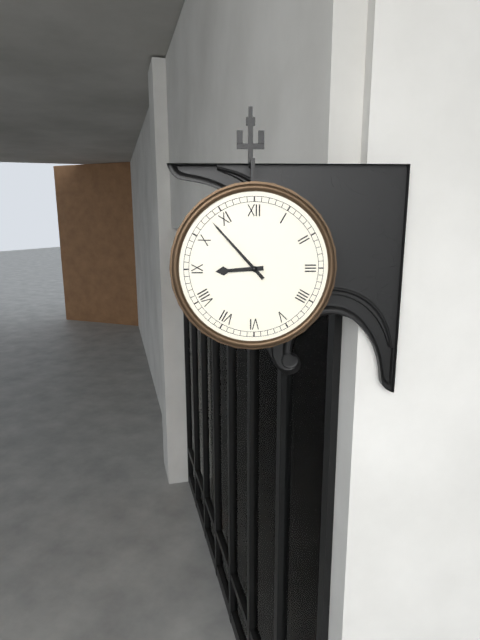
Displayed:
h=8 m=53
